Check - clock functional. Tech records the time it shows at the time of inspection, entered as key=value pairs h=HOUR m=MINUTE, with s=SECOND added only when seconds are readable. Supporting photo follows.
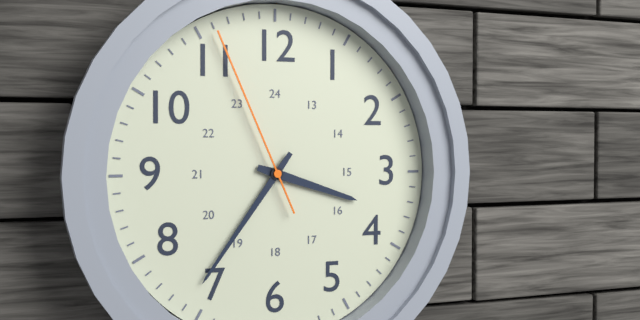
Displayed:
h=3 m=36 s=56
